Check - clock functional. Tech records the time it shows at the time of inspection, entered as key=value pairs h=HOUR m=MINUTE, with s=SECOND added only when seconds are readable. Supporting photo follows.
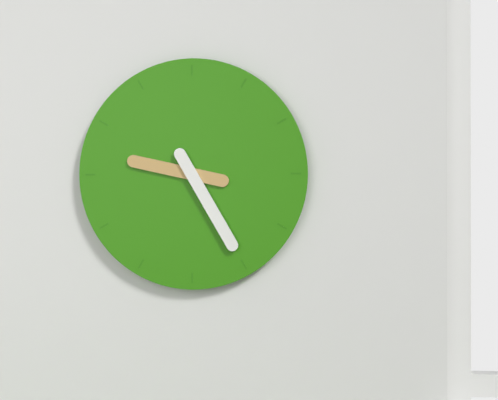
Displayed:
h=9 m=25
